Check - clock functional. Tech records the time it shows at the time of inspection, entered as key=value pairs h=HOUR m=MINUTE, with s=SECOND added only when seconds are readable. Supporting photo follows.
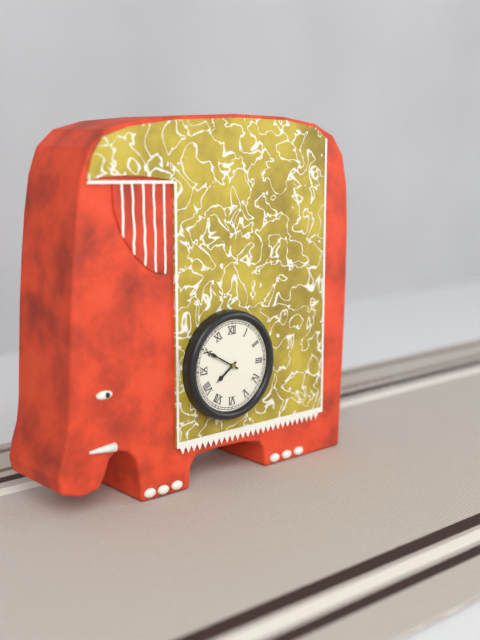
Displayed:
h=7 m=50
